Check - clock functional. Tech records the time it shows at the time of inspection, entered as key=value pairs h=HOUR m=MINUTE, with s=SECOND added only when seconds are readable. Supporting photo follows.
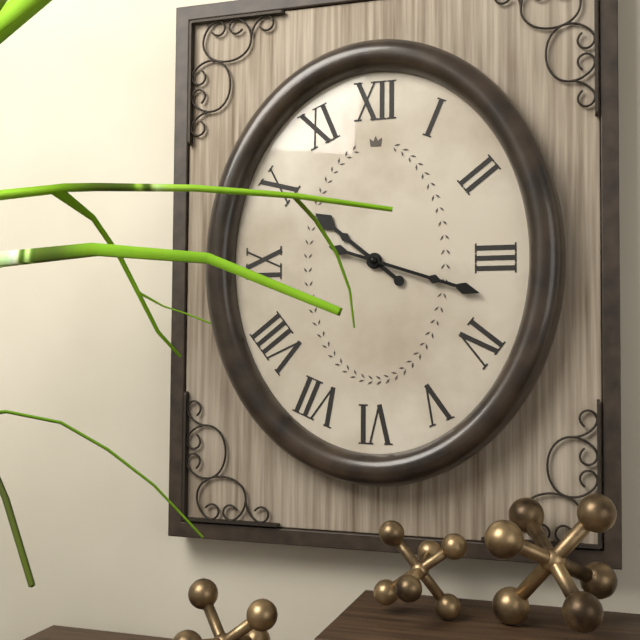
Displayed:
h=10 m=18
